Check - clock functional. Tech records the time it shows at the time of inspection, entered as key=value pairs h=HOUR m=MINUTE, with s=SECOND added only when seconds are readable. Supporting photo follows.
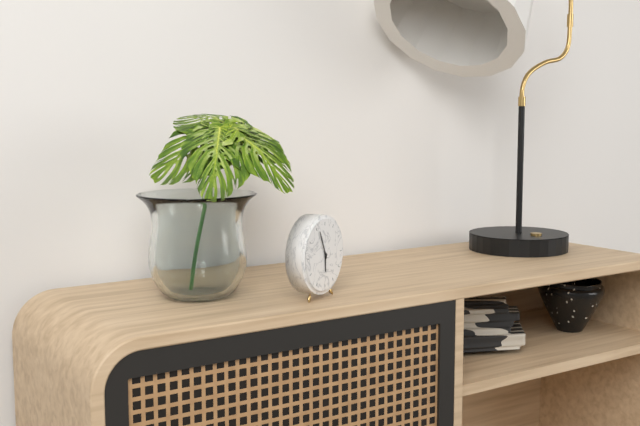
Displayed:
h=5 m=56
